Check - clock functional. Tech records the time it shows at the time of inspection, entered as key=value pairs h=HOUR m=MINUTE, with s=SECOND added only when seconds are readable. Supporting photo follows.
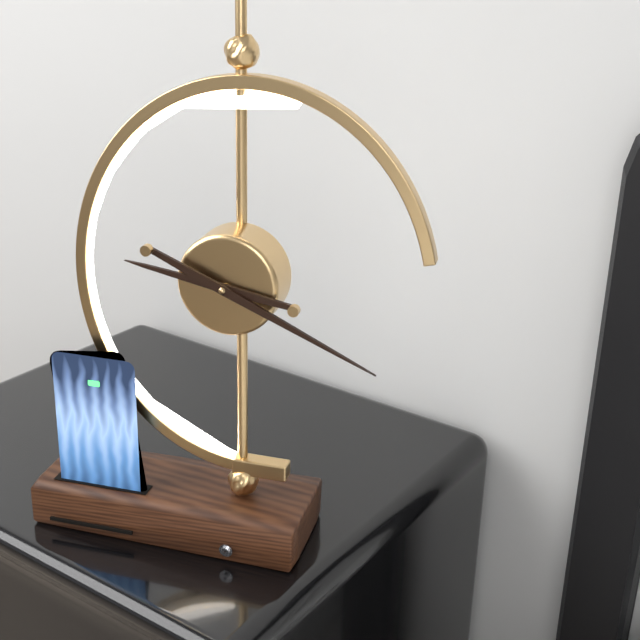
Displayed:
h=9 m=19
